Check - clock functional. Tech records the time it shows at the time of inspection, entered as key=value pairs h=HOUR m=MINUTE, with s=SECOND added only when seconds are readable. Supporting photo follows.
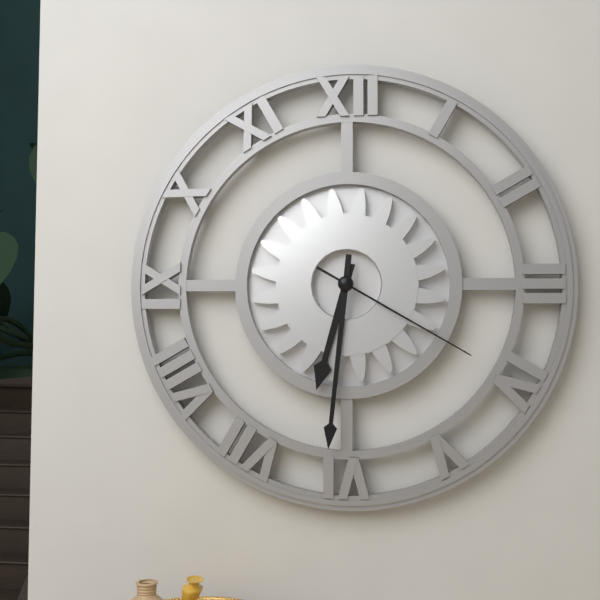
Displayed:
h=6 m=31 s=20
